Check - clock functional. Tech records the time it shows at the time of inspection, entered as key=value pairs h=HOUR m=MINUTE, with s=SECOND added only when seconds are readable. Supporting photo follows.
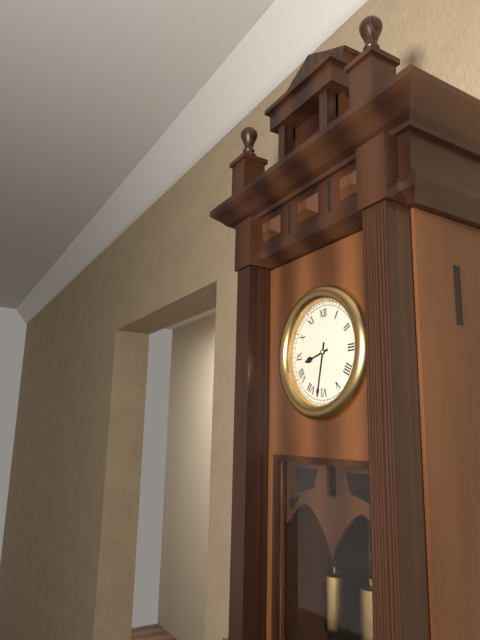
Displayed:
h=8 m=32
